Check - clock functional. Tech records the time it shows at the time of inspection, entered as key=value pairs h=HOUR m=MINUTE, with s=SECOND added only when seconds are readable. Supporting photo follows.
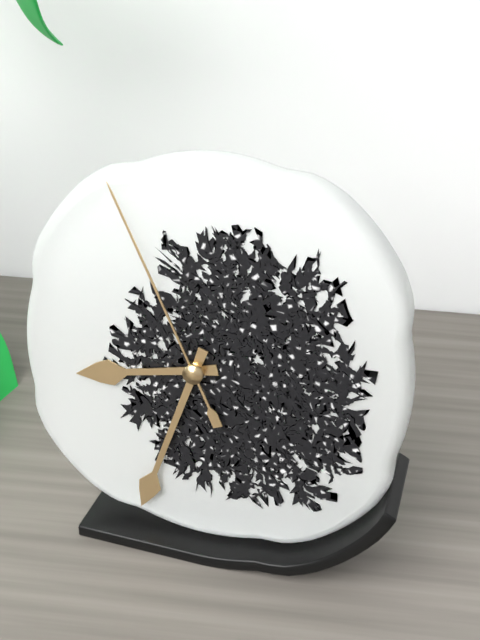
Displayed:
h=8 m=33 s=56
